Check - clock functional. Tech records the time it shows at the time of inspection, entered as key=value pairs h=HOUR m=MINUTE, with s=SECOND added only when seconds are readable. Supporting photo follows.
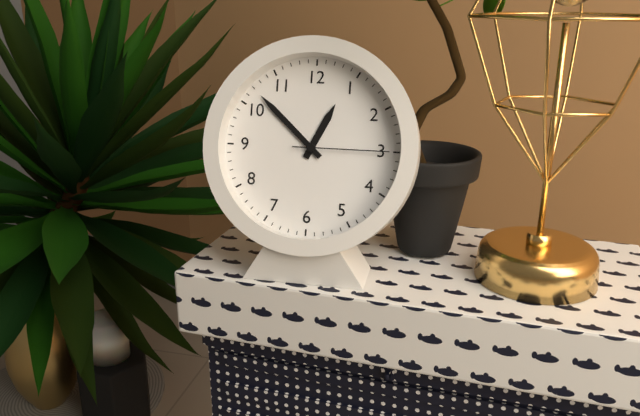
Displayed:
h=12 m=52 s=15
